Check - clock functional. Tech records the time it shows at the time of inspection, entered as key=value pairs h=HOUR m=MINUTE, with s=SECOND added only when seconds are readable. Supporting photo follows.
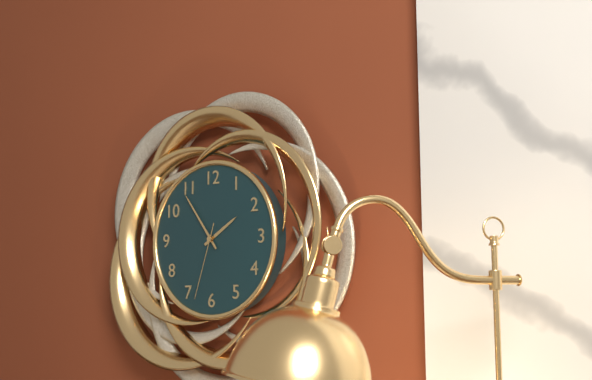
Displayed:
h=1 m=54 s=33
